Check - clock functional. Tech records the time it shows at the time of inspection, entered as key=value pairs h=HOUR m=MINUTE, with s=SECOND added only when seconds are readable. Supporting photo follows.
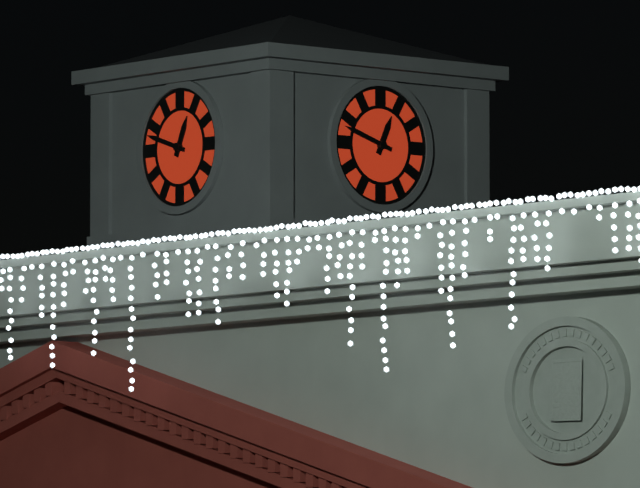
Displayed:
h=12 m=48
